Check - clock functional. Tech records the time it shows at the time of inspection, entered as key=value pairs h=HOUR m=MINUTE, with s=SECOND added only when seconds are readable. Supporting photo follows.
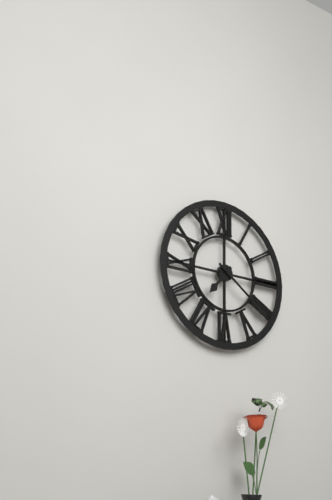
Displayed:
h=7 m=21
